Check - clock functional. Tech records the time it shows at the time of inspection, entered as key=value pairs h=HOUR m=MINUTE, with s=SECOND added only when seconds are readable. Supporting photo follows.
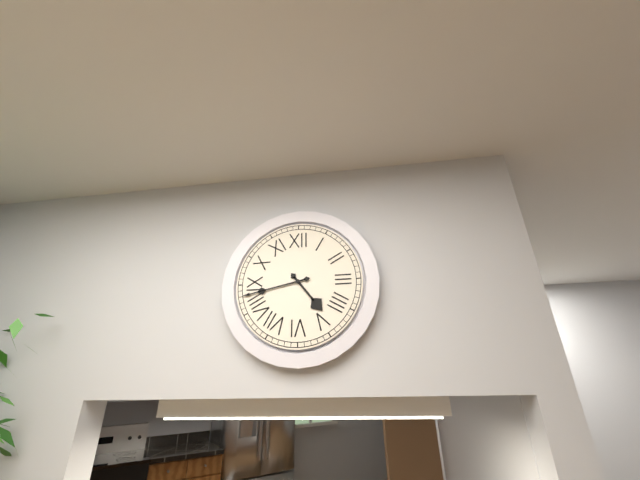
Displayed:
h=4 m=43
